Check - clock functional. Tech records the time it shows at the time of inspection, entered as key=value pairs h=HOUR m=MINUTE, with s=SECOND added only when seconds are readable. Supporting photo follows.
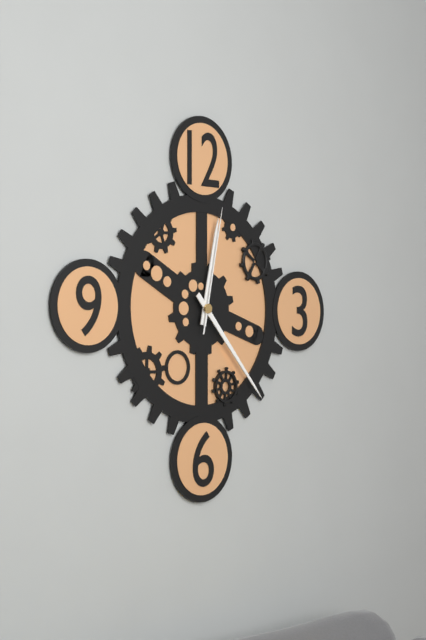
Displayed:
h=12 m=23 s=2
